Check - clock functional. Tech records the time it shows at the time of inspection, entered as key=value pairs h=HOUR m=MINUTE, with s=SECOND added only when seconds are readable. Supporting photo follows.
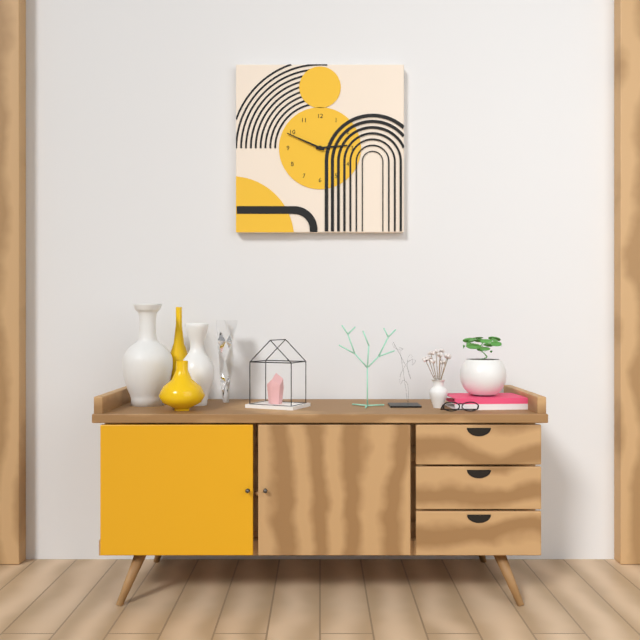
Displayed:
h=2 m=49
